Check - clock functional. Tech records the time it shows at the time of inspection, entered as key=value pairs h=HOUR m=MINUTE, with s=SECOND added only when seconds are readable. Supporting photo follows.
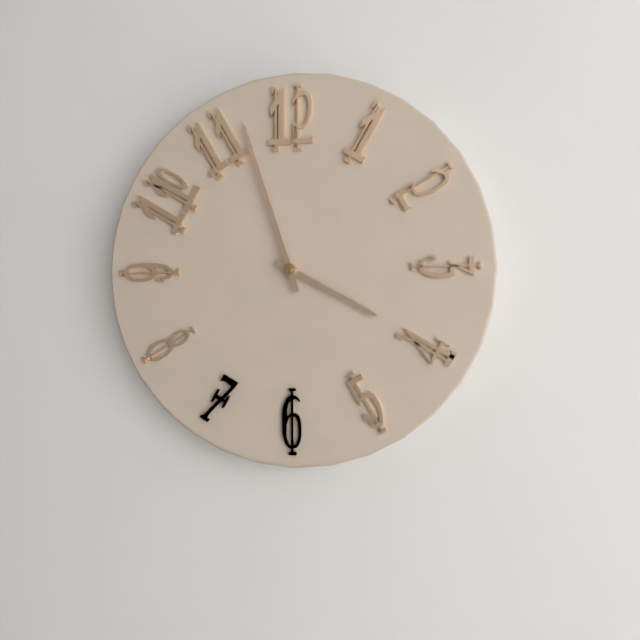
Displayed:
h=3 m=57
